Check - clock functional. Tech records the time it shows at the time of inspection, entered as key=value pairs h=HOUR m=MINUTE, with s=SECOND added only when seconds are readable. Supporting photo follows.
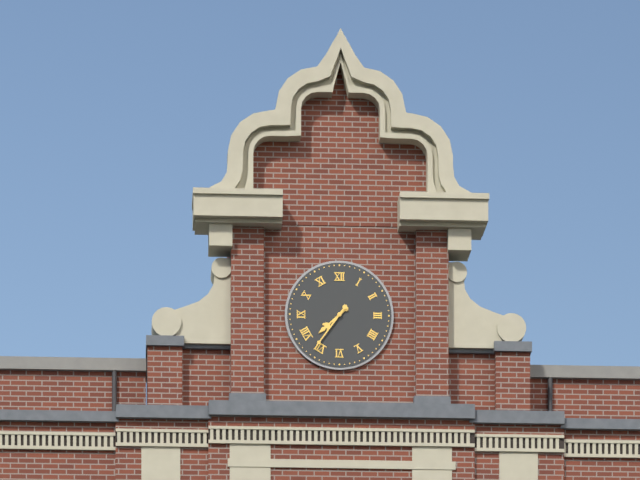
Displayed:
h=7 m=36
